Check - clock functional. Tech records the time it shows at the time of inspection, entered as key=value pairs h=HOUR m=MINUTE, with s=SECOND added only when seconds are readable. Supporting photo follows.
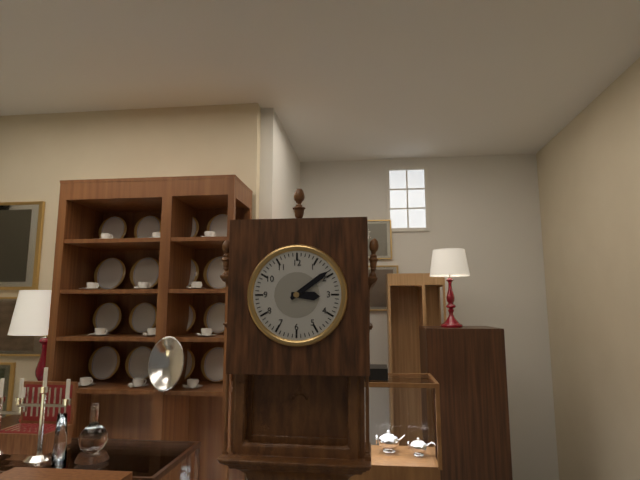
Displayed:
h=3 m=9
